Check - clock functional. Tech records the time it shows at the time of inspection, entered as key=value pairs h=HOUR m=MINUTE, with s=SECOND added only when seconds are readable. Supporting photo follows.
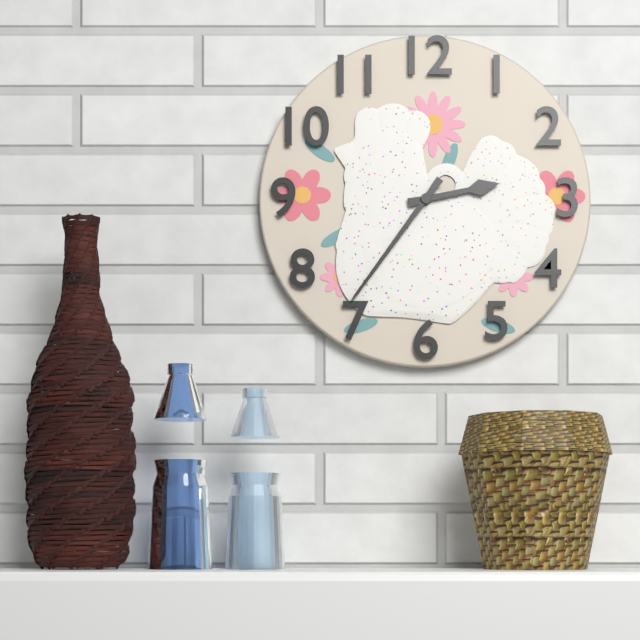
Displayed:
h=2 m=36
